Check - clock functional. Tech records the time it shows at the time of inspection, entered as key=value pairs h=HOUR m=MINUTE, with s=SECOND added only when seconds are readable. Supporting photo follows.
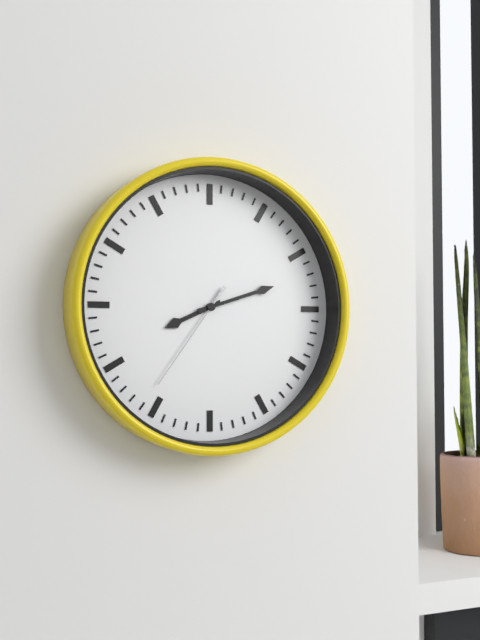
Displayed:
h=8 m=12 s=36
